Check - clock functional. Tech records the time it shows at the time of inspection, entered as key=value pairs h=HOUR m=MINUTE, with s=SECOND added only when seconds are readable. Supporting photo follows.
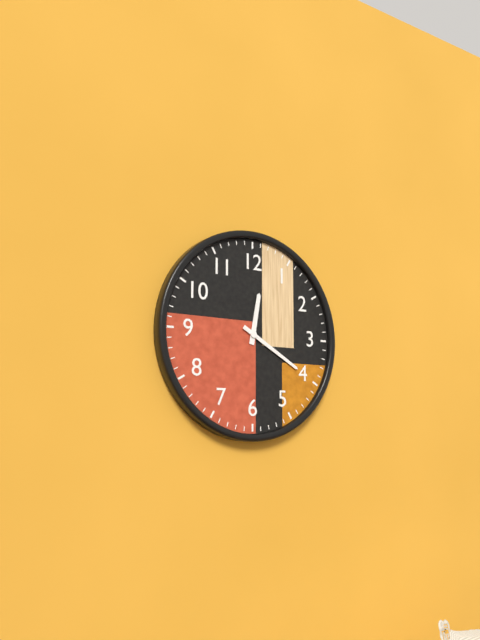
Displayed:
h=12 m=20
